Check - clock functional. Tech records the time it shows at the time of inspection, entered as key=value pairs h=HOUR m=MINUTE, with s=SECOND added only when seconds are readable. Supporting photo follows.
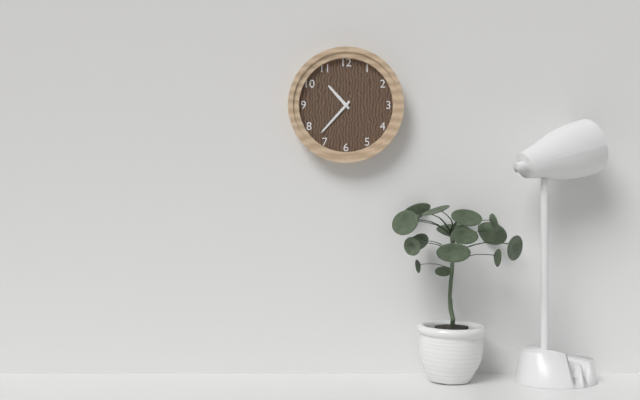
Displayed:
h=10 m=37
